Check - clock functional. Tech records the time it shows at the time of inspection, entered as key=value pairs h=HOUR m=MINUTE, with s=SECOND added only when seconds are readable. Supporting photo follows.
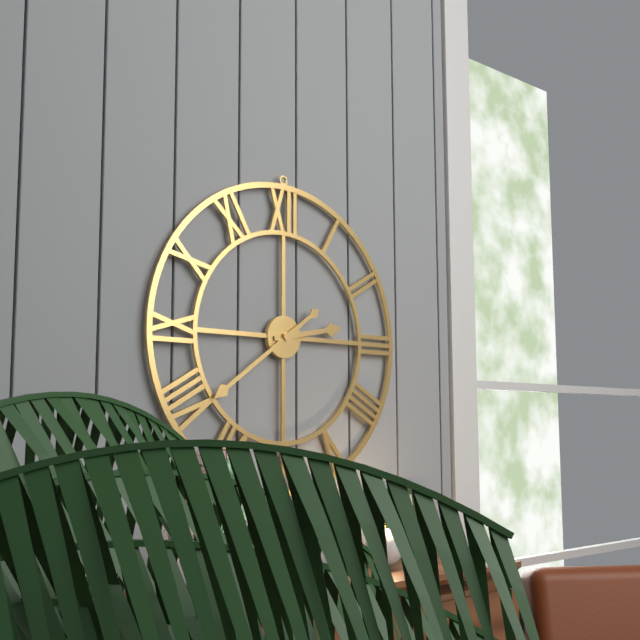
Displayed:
h=2 m=39
